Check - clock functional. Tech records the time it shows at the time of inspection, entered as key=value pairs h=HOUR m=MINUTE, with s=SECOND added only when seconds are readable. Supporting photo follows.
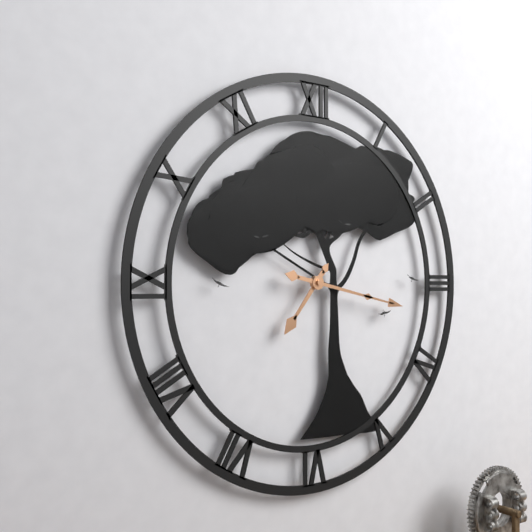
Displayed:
h=7 m=17
